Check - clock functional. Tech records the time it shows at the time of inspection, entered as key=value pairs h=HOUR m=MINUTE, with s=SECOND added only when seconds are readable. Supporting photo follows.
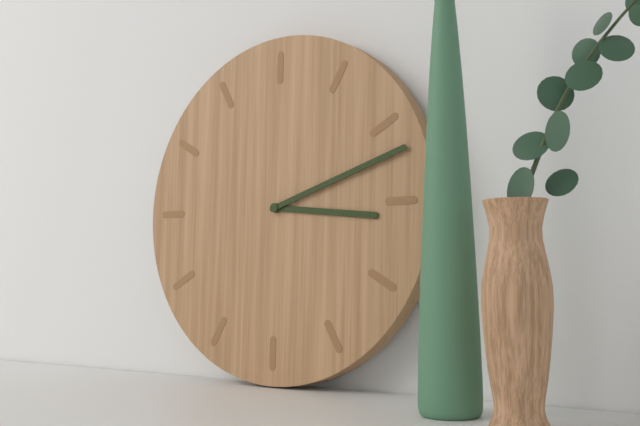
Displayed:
h=3 m=12
